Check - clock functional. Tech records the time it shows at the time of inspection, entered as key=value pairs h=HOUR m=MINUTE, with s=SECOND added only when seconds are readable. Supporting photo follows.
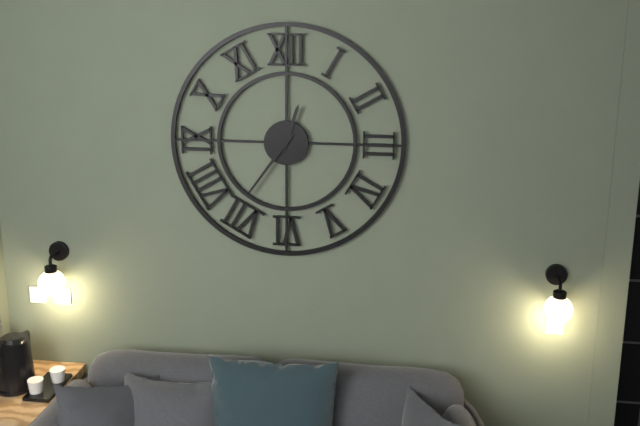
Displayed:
h=12 m=36
